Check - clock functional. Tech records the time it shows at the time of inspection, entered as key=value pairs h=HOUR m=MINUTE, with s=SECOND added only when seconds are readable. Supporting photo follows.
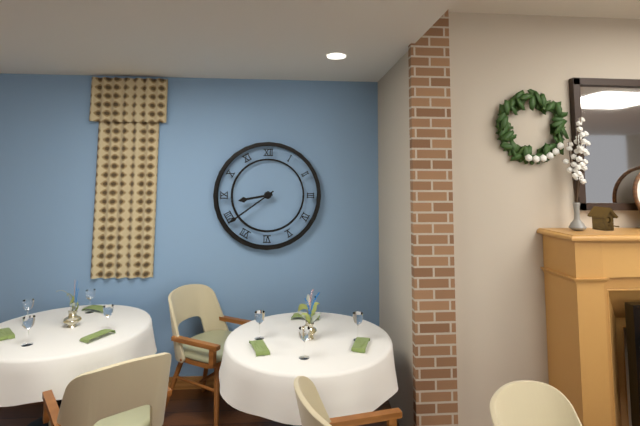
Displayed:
h=8 m=39
